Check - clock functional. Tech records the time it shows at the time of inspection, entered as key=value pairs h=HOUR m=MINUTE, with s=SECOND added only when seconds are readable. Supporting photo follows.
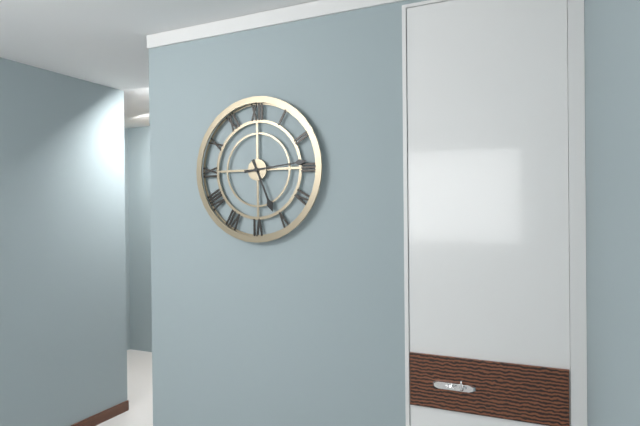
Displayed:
h=5 m=14
